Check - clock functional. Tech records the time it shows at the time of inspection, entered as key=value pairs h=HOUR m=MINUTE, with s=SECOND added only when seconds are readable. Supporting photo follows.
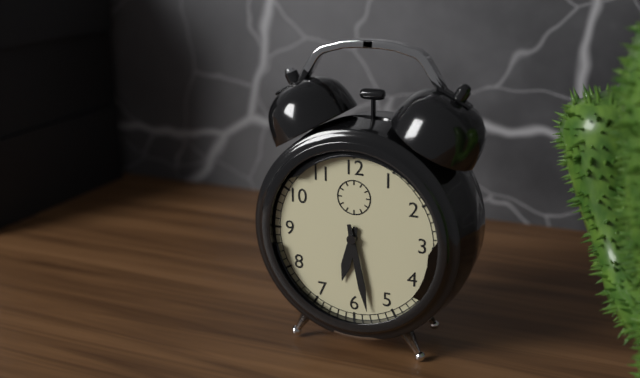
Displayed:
h=6 m=28
